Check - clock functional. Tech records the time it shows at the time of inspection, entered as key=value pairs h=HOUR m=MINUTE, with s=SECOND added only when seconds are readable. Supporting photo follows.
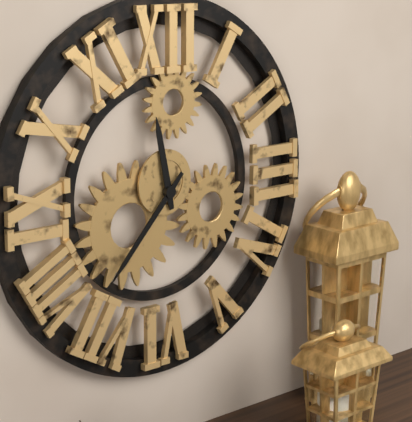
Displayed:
h=11 m=37
